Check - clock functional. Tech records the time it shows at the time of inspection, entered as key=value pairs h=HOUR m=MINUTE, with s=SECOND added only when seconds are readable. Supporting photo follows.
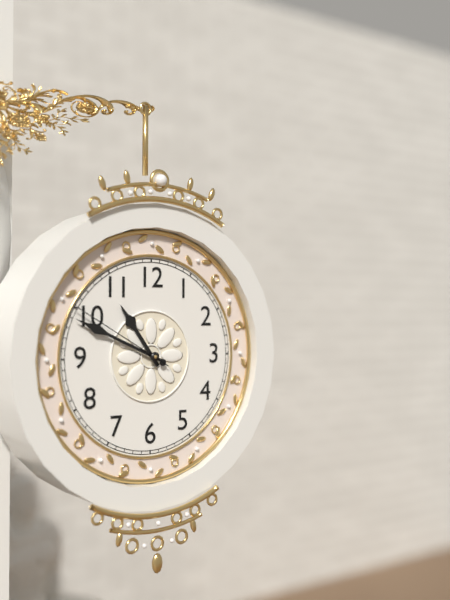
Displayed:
h=10 m=49 s=50
